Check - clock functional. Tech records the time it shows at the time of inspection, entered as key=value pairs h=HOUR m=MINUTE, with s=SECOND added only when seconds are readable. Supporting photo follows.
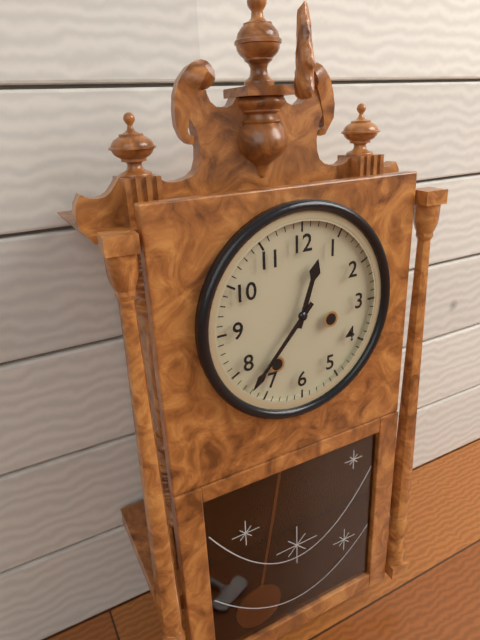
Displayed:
h=12 m=37
